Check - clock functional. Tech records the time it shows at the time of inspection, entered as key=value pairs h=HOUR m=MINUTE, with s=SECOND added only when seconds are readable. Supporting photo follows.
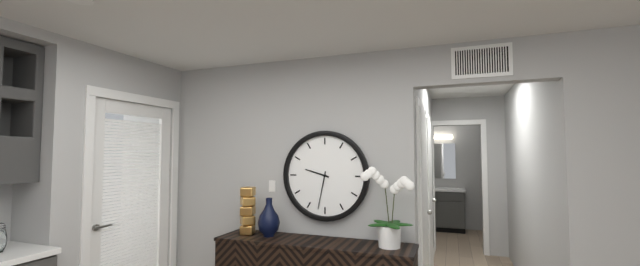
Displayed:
h=9 m=32
